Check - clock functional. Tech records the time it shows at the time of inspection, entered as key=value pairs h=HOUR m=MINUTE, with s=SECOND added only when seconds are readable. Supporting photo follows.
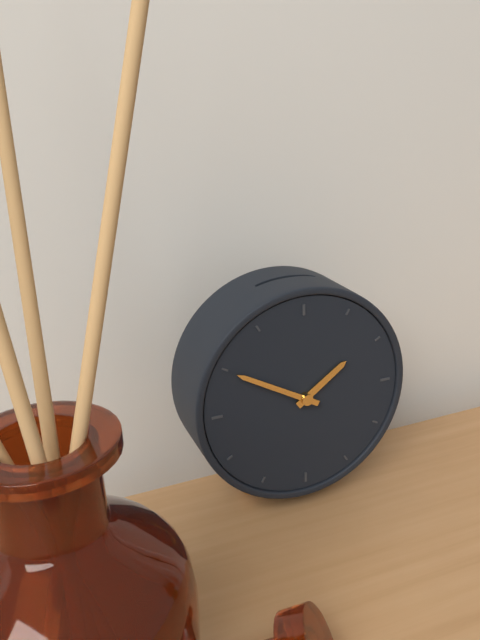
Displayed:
h=1 m=50
